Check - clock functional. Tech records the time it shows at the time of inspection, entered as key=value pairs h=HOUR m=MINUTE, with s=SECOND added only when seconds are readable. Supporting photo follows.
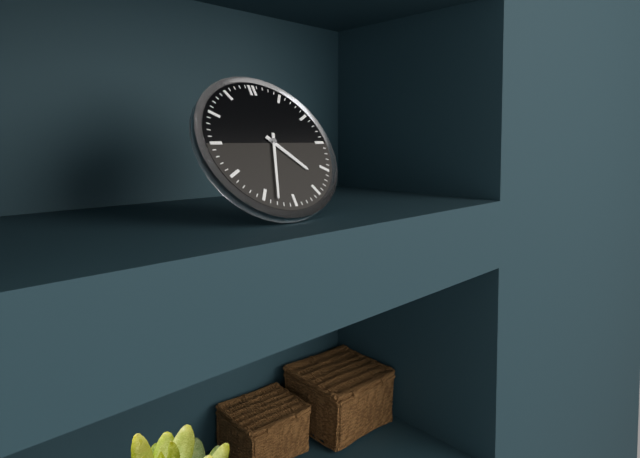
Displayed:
h=4 m=33
